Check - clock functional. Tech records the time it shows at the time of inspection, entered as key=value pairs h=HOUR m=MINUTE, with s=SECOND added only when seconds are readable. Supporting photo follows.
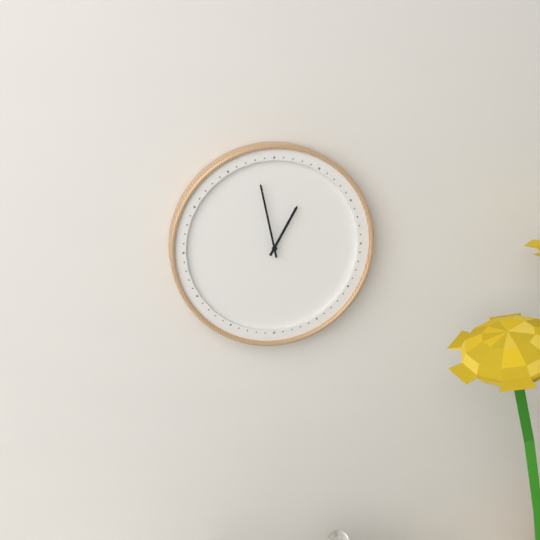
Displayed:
h=12 m=58
